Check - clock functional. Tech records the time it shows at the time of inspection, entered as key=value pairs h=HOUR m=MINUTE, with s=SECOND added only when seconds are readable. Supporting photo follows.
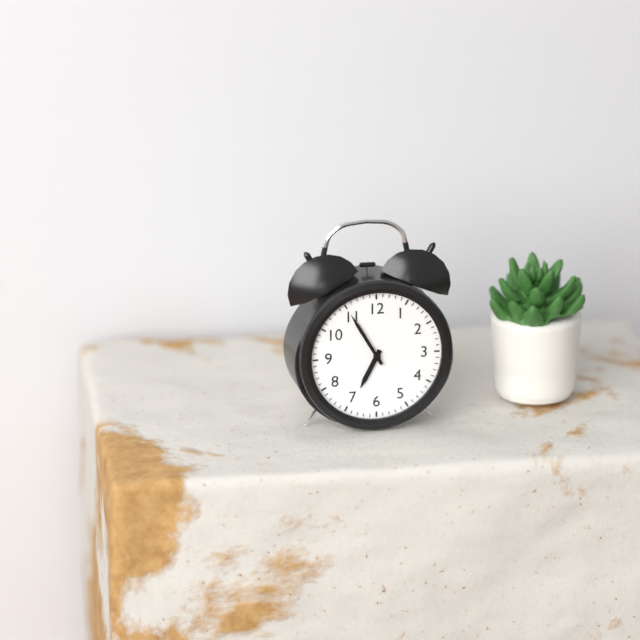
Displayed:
h=6 m=55
